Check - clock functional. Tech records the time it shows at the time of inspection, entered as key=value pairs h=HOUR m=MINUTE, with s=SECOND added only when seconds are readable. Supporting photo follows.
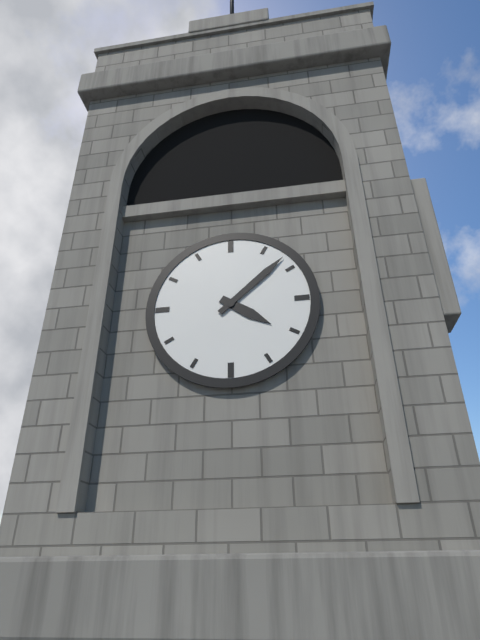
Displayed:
h=4 m=8
